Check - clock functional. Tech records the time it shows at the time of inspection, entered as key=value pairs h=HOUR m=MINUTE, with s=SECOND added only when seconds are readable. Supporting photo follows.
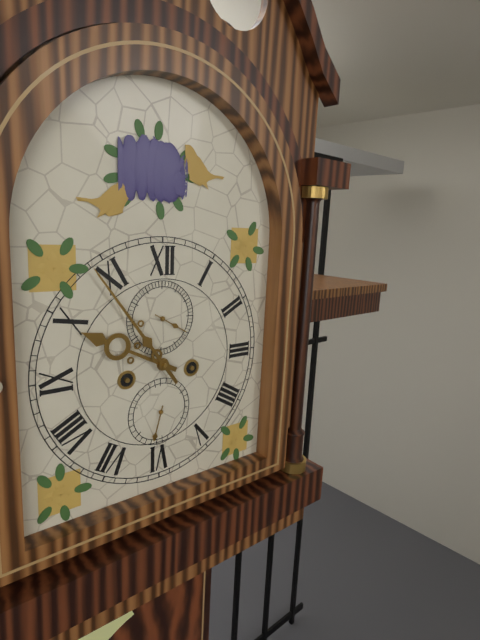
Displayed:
h=9 m=54
